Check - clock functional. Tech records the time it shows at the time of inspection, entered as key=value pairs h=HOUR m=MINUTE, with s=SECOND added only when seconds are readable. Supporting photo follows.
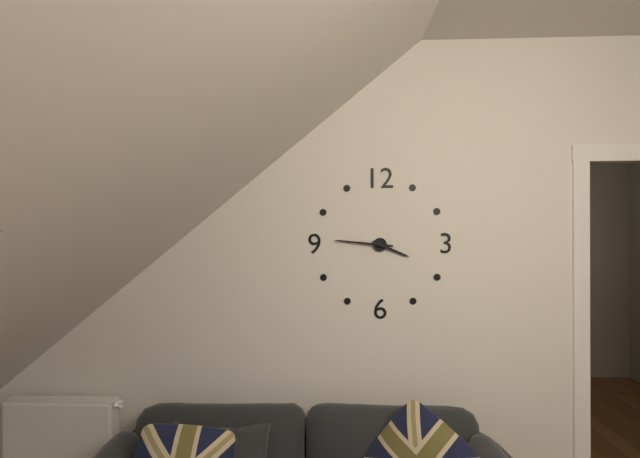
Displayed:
h=3 m=46
